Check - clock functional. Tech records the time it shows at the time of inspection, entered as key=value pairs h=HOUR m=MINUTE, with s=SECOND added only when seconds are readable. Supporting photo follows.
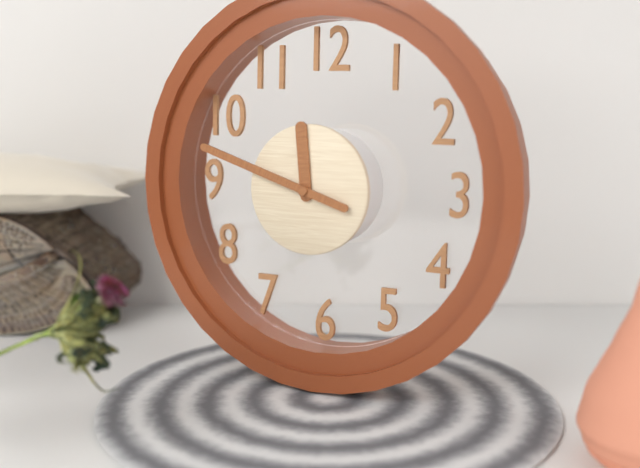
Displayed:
h=11 m=48
